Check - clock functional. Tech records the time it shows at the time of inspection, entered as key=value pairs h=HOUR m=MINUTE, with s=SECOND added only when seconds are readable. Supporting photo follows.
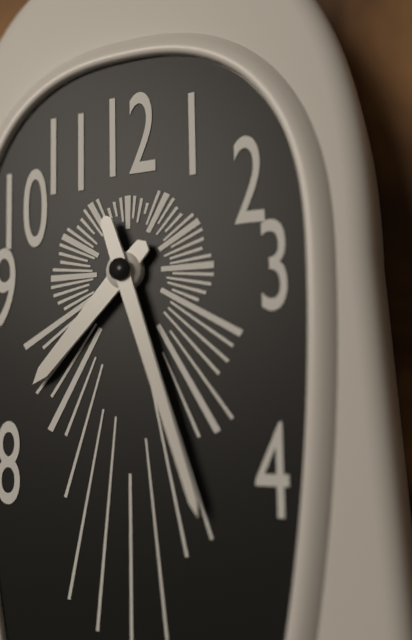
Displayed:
h=7 m=27
